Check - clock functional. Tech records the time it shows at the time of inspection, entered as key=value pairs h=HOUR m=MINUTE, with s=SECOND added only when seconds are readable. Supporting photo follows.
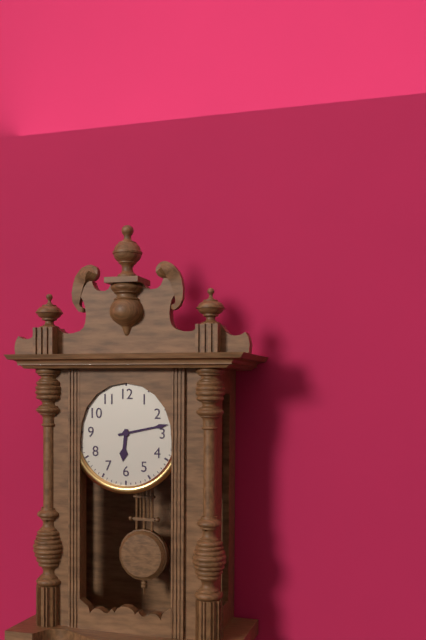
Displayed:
h=6 m=13
